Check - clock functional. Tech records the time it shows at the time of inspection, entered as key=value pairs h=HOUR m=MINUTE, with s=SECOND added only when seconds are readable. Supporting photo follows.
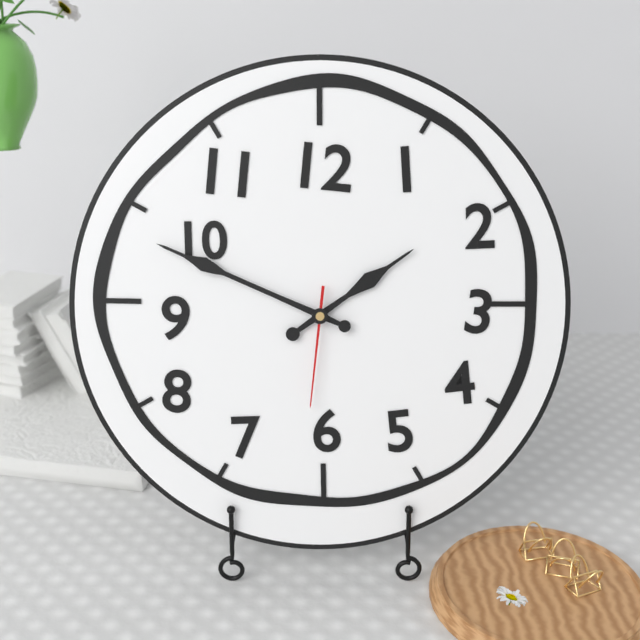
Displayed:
h=1 m=49 s=31
